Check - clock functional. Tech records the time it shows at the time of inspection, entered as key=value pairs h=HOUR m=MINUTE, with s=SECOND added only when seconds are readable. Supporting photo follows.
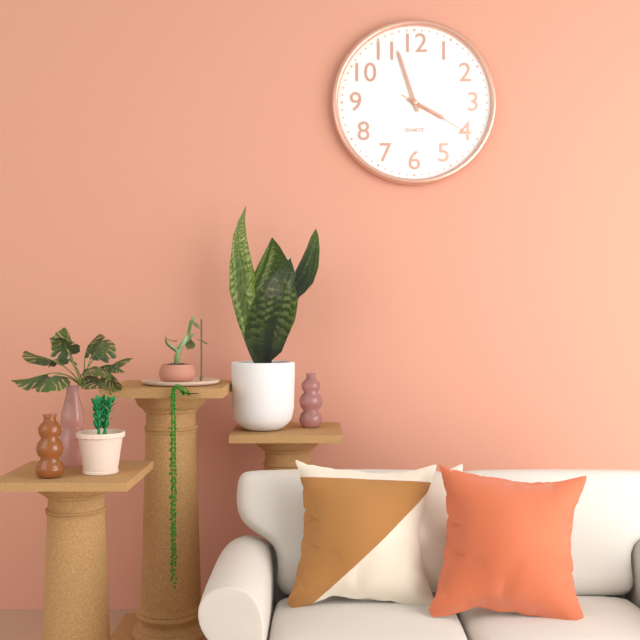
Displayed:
h=3 m=57 s=20
